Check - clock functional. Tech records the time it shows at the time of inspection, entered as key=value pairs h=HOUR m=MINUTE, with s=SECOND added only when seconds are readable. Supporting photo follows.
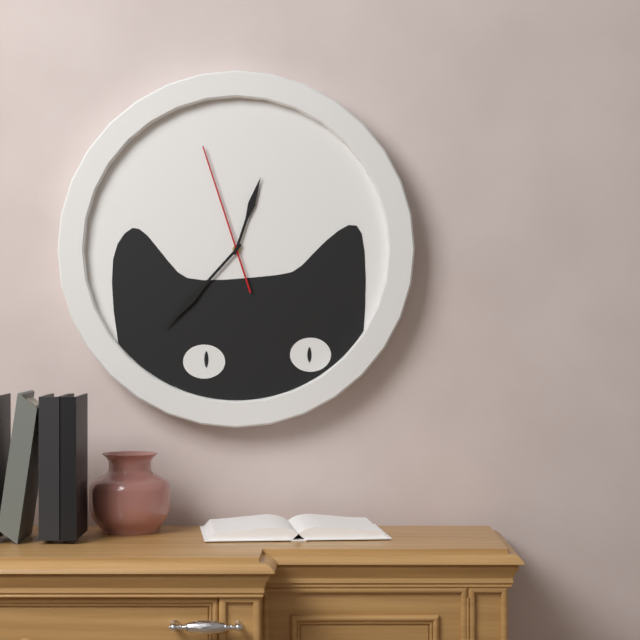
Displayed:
h=12 m=37 s=57
